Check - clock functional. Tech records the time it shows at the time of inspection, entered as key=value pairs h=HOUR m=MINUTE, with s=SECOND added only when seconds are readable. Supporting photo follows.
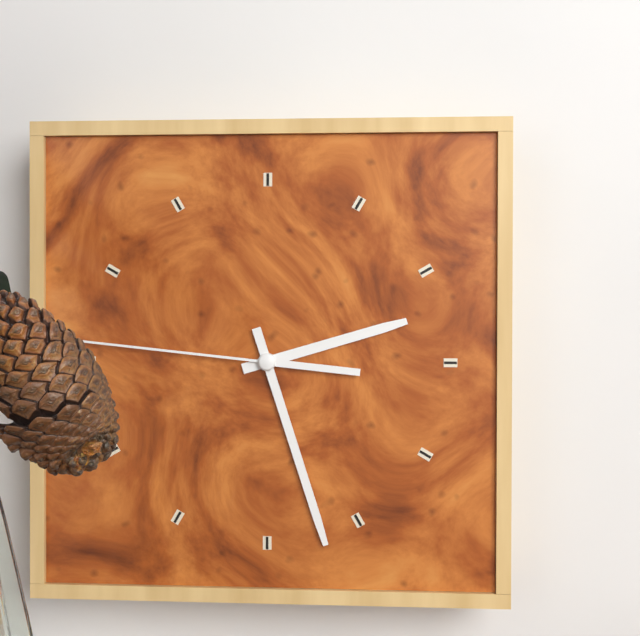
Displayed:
h=2 m=27 s=46
